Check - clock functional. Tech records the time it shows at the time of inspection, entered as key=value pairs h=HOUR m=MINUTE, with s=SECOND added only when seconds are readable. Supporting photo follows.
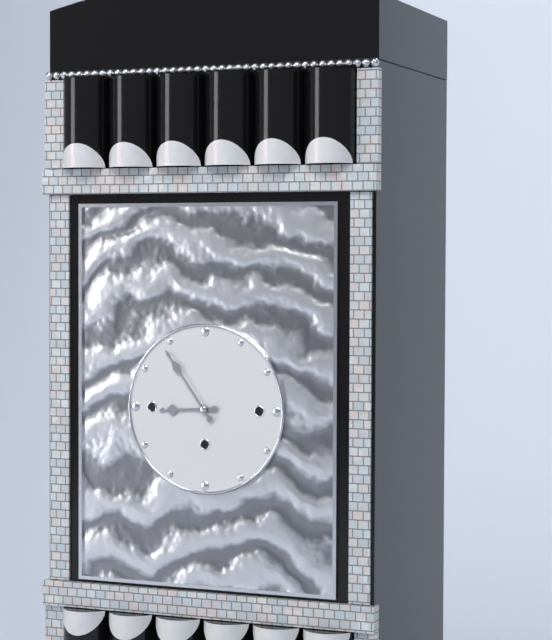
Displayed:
h=8 m=54
